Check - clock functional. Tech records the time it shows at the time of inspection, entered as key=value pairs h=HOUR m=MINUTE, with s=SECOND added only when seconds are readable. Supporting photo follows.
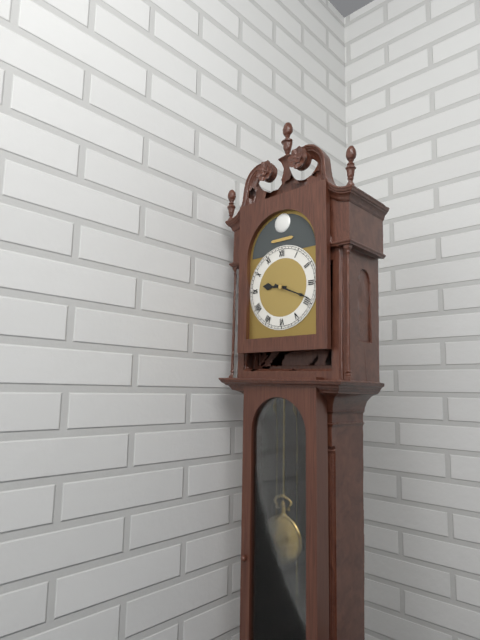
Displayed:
h=9 m=19
